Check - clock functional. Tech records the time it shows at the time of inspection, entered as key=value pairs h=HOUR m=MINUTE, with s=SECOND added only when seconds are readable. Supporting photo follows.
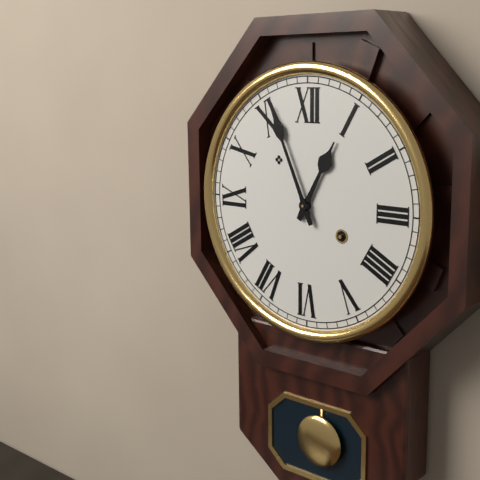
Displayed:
h=12 m=56
